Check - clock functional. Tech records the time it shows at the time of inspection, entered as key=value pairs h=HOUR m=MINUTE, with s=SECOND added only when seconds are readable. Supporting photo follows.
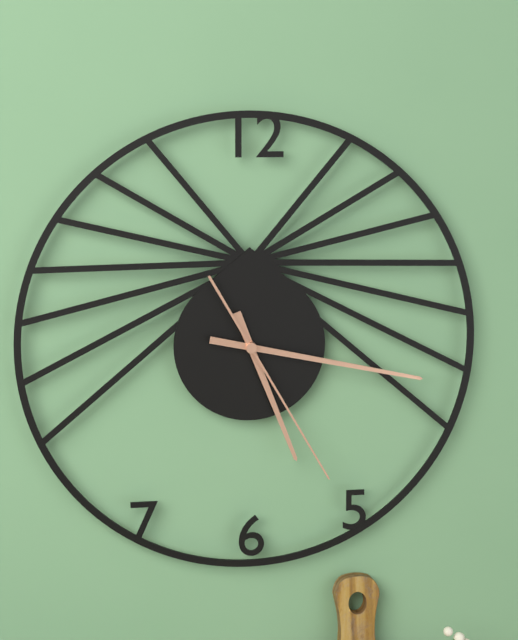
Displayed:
h=5 m=17 s=25
